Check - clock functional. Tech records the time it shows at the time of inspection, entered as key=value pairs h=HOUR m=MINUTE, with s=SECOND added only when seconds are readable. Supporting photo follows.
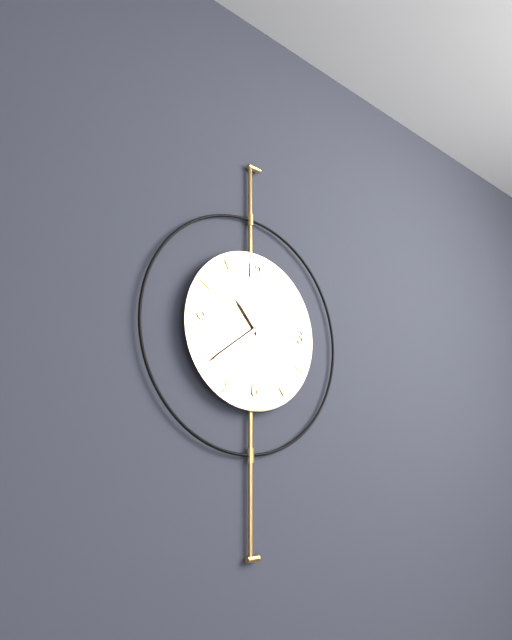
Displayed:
h=10 m=39 s=32
